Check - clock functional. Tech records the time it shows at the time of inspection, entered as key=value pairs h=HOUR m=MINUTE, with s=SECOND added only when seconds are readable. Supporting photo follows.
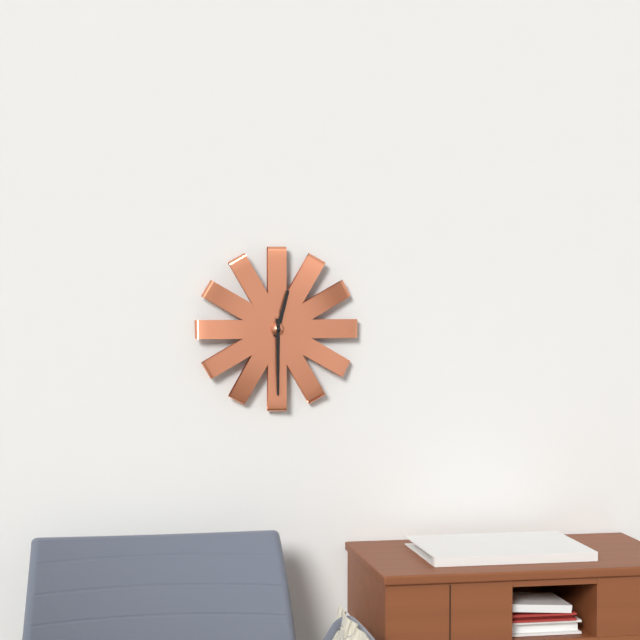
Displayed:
h=12 m=30
